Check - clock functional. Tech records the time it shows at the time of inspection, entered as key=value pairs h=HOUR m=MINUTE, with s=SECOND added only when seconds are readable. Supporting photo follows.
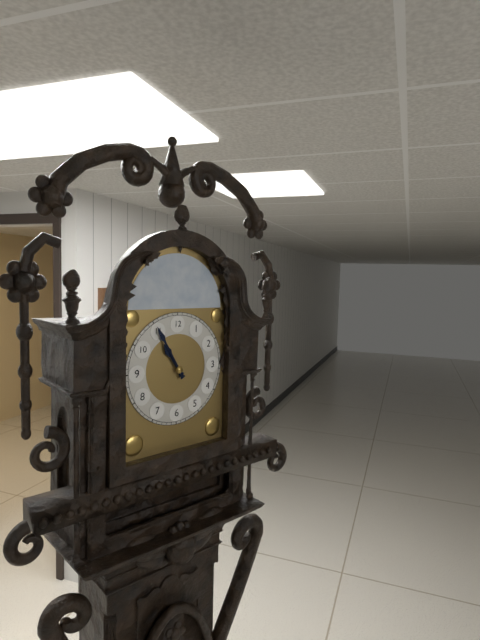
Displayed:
h=10 m=55
